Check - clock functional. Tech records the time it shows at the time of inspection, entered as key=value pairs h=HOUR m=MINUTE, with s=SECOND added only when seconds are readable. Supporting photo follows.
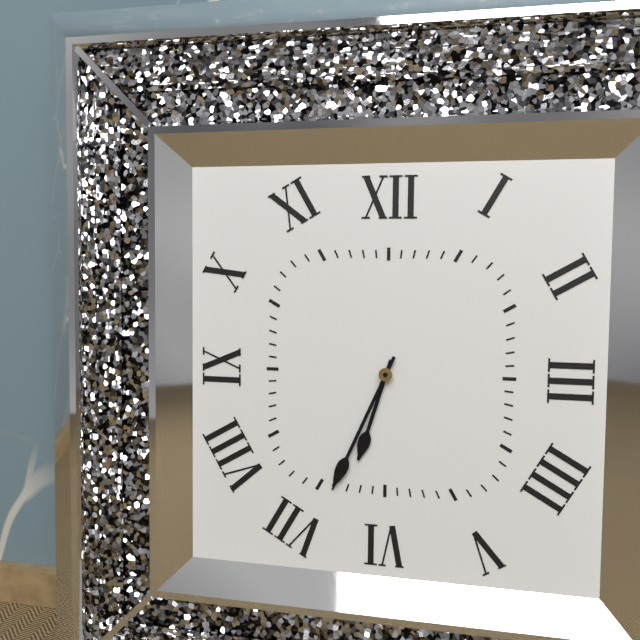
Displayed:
h=6 m=34
